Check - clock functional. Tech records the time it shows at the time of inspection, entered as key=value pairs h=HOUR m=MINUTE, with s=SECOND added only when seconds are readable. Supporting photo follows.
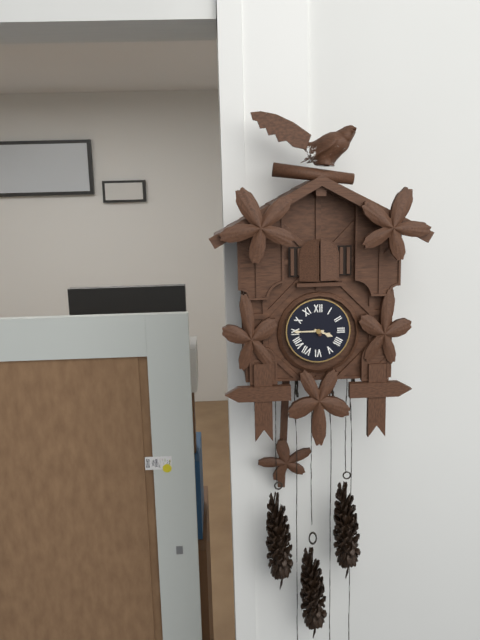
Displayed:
h=3 m=45
